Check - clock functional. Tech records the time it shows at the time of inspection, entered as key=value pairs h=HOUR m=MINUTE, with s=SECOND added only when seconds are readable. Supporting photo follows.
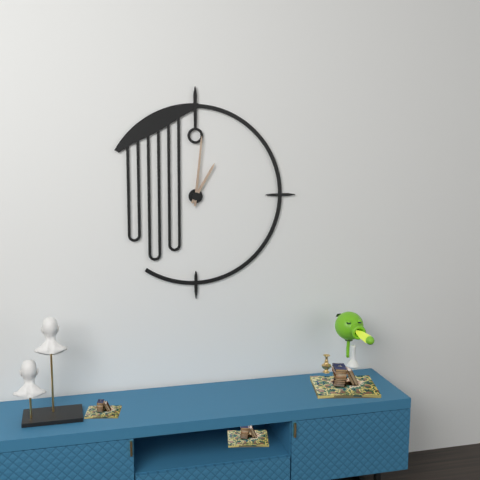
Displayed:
h=1 m=1
